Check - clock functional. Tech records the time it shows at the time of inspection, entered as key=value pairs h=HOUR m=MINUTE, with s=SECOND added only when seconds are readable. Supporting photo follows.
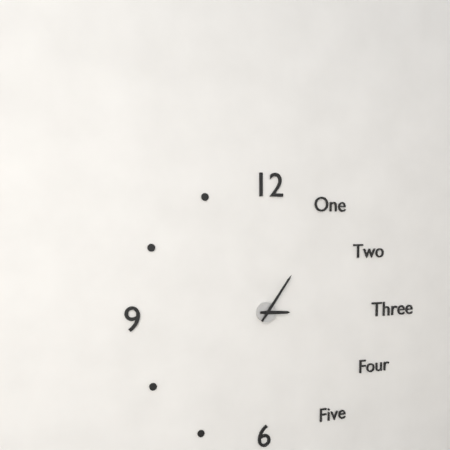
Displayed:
h=3 m=6
